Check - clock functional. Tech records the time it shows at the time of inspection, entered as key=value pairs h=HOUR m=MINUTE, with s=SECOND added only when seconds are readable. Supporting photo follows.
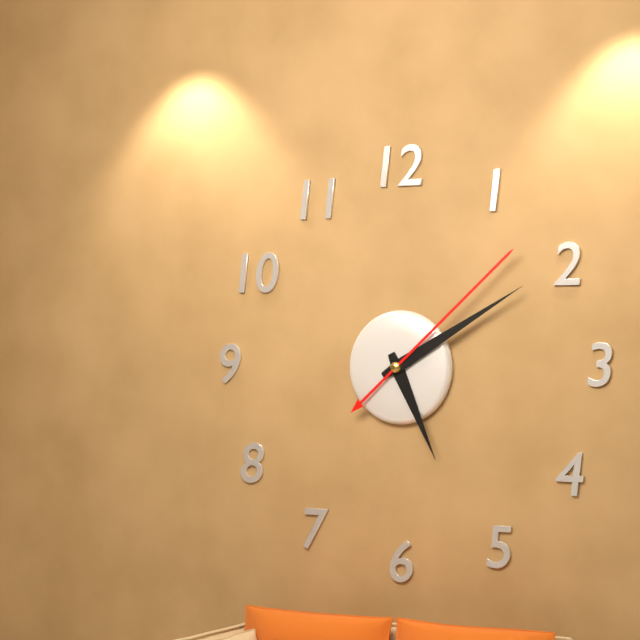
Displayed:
h=5 m=10 s=8
